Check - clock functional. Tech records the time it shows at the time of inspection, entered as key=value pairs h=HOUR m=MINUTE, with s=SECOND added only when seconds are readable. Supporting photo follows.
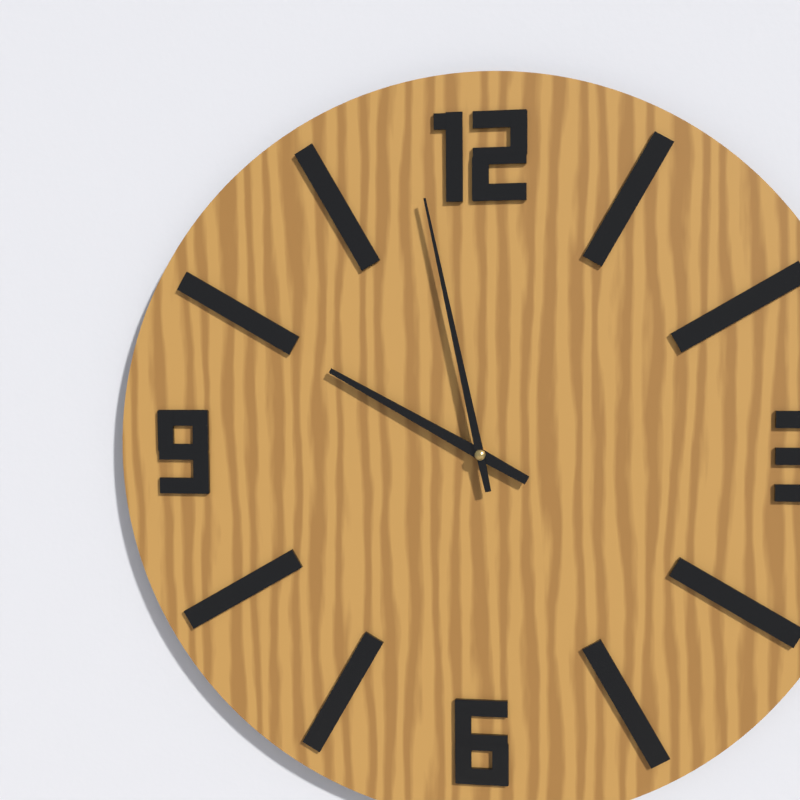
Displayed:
h=9 m=58
